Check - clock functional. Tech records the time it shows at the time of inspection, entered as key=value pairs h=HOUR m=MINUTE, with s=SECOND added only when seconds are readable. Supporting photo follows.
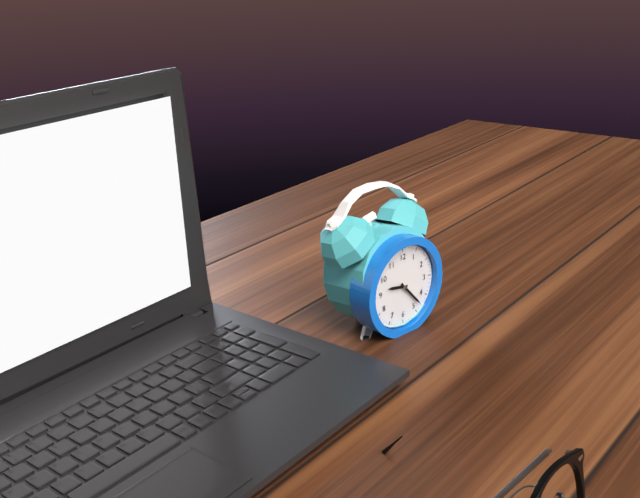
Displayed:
h=9 m=23
